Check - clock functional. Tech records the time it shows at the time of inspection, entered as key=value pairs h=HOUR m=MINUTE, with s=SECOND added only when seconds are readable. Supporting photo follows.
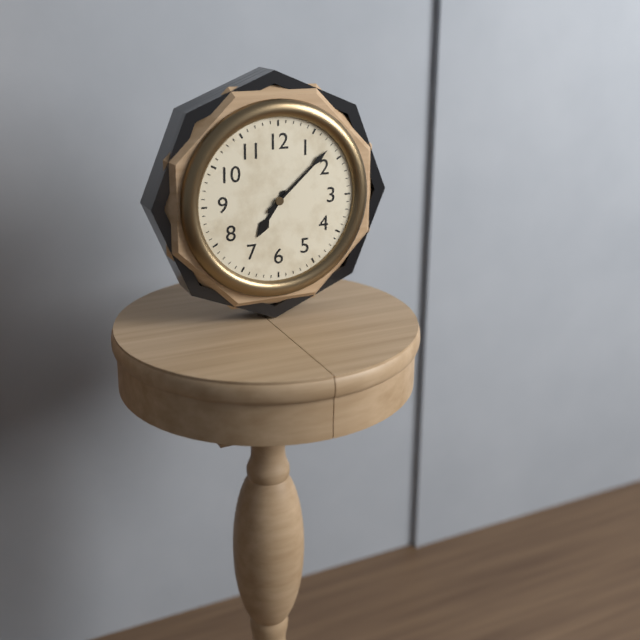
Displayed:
h=7 m=8
